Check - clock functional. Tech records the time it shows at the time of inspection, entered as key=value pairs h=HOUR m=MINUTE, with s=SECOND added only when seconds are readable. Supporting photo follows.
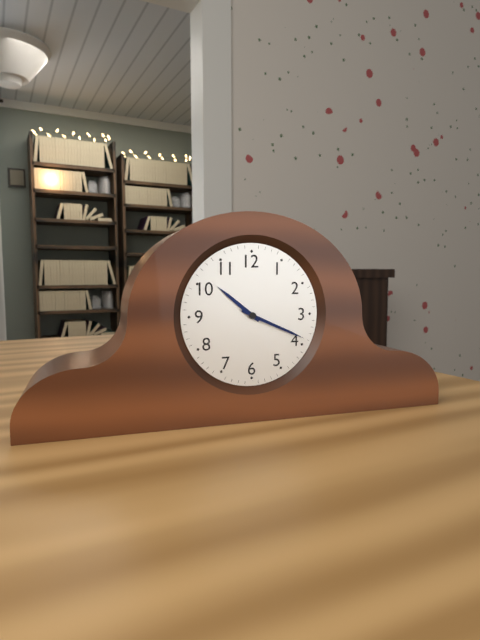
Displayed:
h=10 m=19
